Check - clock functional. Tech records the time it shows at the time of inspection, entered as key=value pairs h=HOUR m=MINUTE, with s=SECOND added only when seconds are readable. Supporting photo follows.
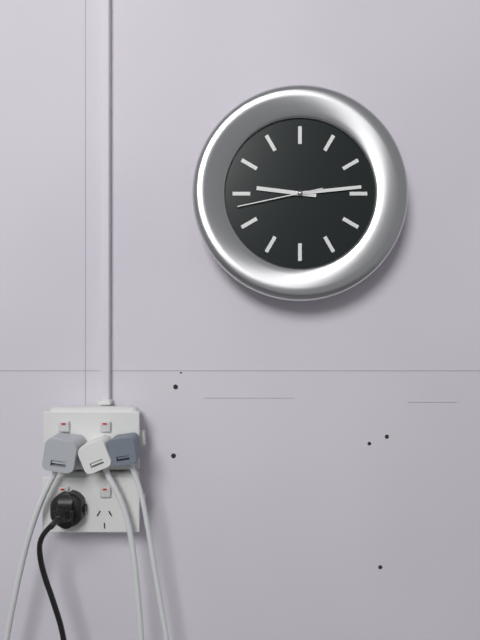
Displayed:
h=9 m=14 s=43
